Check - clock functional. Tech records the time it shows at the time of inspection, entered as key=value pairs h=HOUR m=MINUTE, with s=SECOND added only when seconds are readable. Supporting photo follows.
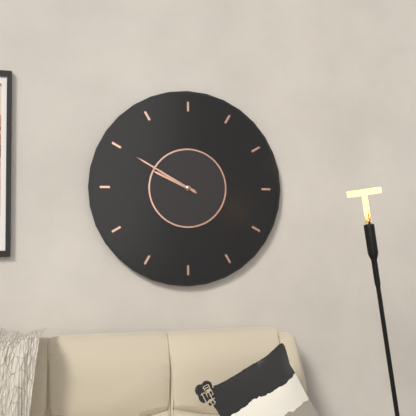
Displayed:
h=9 m=50
